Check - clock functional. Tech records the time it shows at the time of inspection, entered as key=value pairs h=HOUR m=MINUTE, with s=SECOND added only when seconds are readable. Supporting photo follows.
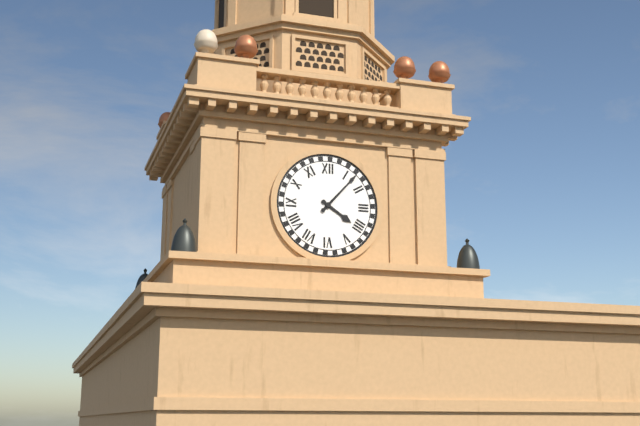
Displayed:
h=4 m=7
